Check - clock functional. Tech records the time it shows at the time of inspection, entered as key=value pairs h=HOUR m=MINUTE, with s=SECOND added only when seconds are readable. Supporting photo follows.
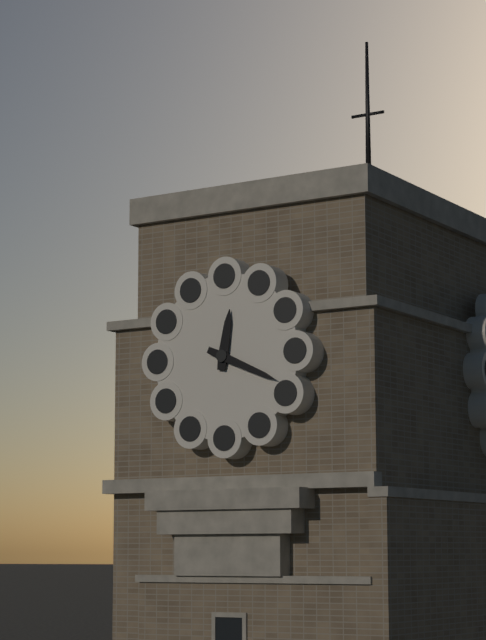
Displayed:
h=12 m=19
